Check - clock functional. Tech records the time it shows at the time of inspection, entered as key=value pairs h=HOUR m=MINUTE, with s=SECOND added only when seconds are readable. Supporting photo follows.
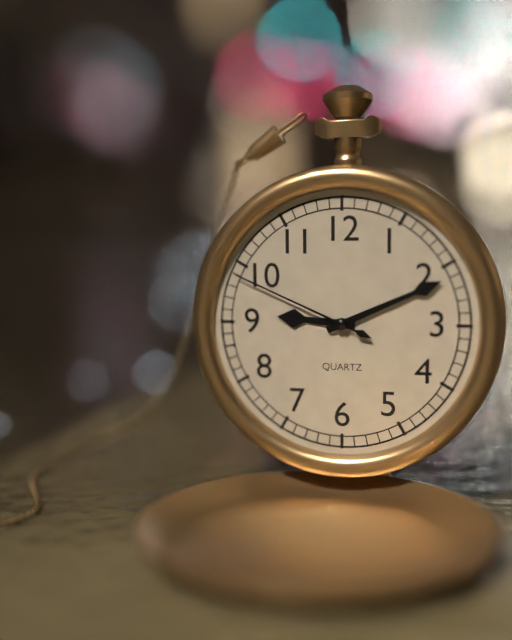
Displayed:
h=9 m=11 s=49
